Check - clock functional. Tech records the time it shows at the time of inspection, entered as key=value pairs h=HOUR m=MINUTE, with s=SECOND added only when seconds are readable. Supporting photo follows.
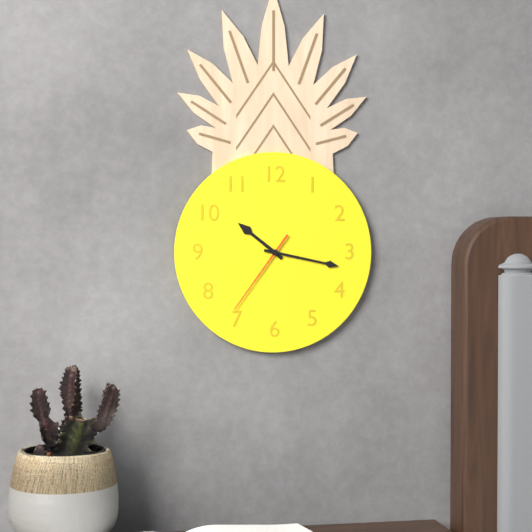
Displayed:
h=10 m=17 s=36
